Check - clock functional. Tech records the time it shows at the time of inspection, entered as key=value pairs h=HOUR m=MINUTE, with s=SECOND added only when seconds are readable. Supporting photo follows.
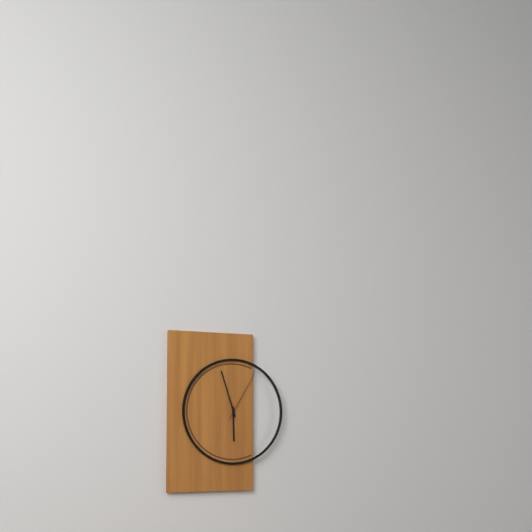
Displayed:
h=5 m=57 s=5
